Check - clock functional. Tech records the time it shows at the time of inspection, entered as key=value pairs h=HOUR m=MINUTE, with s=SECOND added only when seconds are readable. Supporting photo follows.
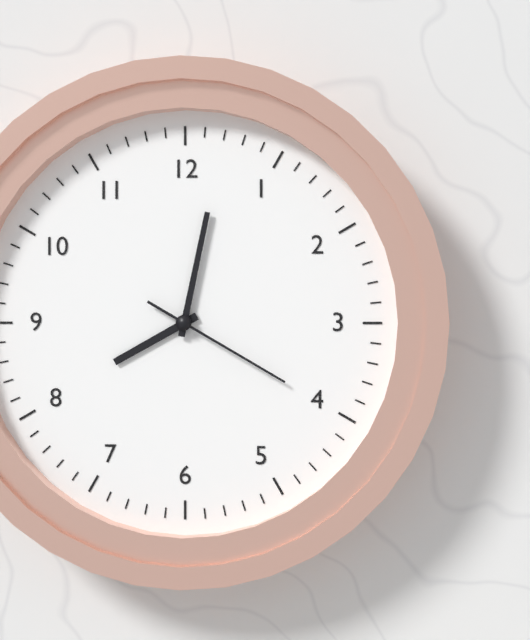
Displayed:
h=8 m=2 s=20
